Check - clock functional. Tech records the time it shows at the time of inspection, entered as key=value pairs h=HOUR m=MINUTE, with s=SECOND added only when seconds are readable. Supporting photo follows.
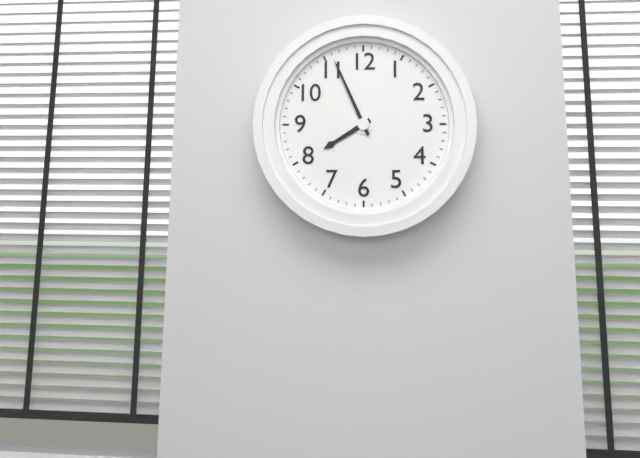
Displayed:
h=7 m=56
